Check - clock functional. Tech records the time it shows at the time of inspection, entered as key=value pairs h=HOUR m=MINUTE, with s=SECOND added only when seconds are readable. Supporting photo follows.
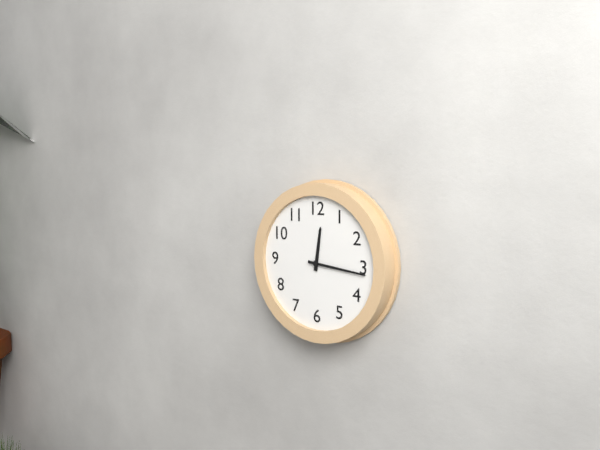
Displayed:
h=12 m=16
